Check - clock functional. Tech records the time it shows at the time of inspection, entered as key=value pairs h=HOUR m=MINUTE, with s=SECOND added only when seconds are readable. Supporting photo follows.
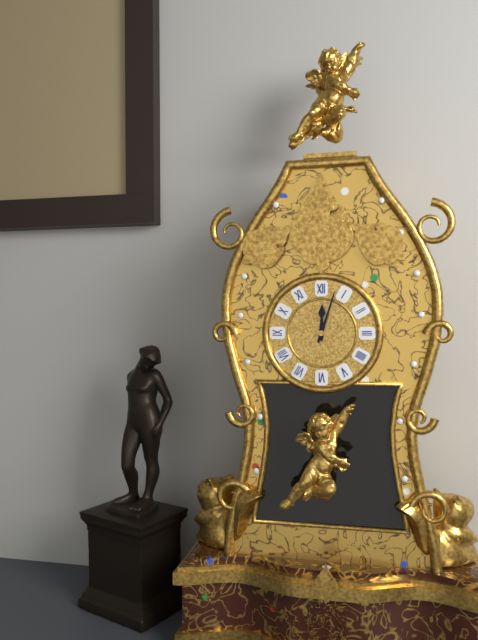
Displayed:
h=12 m=3
